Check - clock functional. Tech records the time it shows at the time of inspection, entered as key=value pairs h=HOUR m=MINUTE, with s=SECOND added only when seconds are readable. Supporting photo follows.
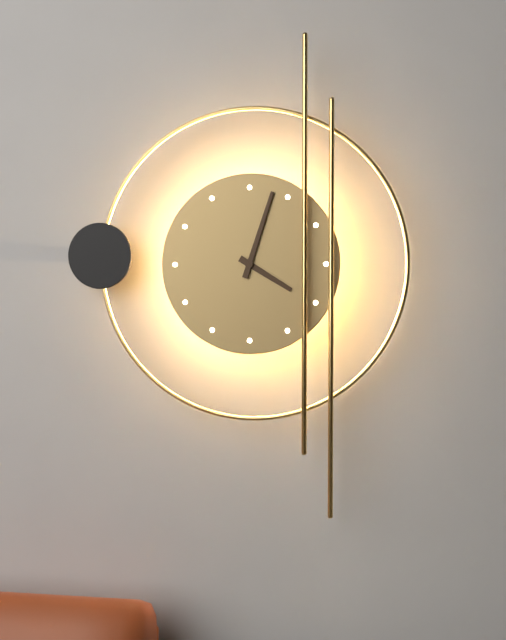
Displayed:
h=4 m=3
